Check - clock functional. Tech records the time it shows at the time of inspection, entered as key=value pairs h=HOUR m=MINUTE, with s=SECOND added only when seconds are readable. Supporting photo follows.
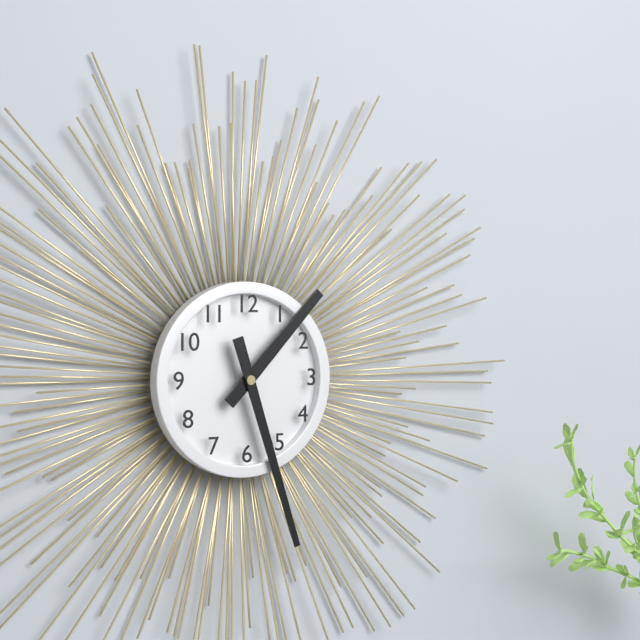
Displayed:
h=1 m=27
